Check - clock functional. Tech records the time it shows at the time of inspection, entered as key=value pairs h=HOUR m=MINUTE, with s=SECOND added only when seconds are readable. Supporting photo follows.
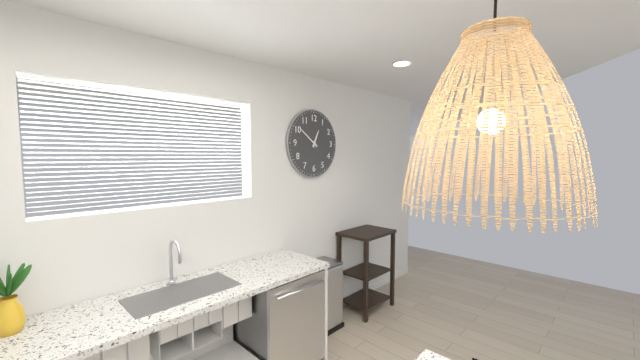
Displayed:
h=12 m=51
